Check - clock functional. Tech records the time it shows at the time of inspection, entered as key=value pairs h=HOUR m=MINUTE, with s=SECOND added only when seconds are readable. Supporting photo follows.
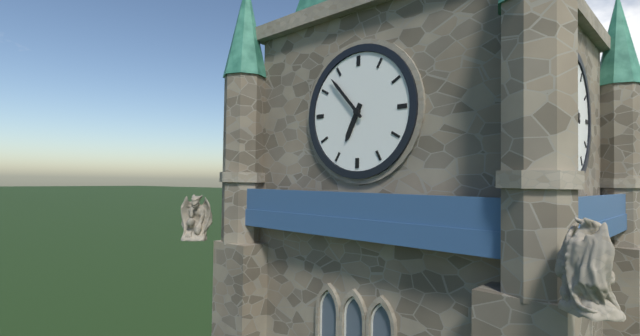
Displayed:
h=6 m=53
